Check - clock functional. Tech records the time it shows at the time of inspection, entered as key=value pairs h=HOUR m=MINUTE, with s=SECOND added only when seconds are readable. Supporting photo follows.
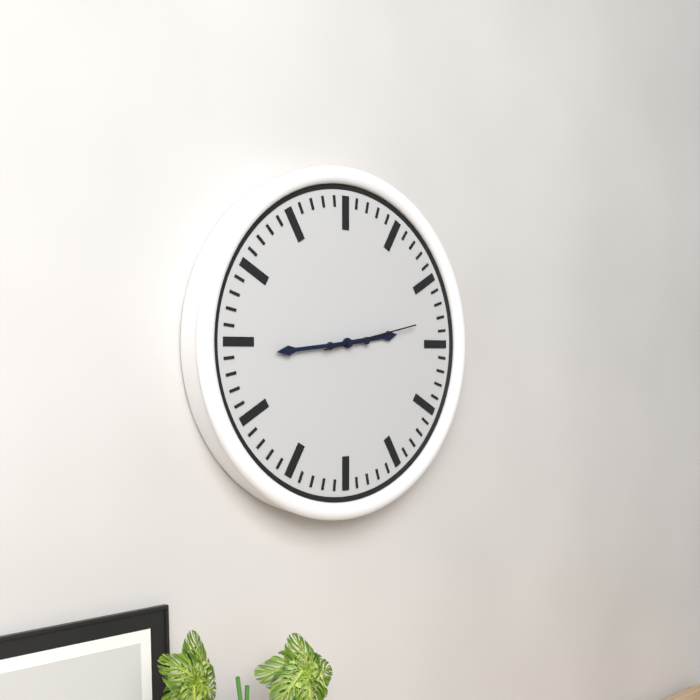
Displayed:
h=2 m=44 s=13
